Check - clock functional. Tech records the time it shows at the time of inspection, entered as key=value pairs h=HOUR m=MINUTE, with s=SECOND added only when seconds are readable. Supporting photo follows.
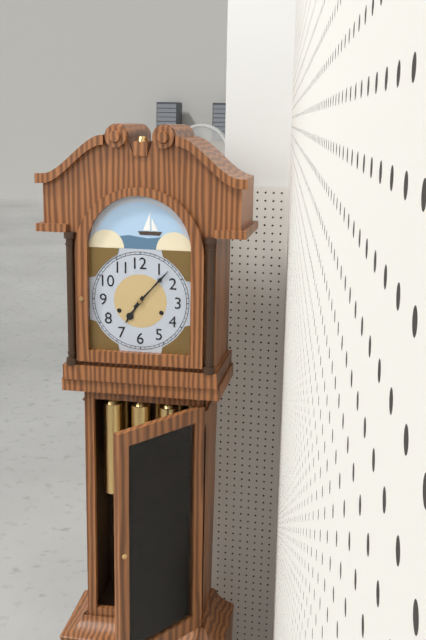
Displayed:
h=7 m=7
